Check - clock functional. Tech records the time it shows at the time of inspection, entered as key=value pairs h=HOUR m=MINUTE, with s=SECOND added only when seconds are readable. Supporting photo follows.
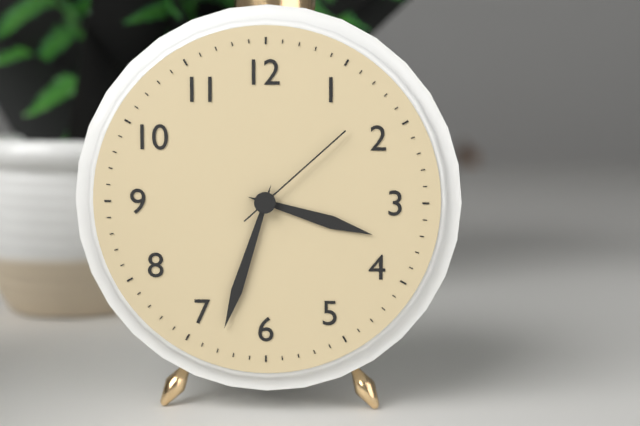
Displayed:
h=3 m=33 s=8
